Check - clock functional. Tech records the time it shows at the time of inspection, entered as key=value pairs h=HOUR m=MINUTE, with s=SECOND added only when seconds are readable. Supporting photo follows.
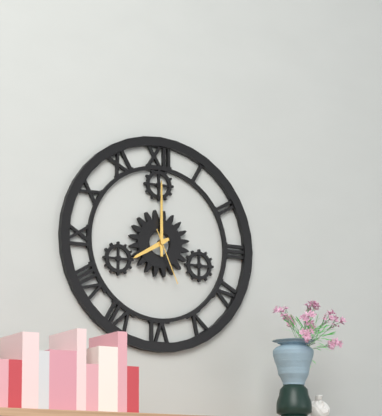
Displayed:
h=8 m=0 s=26
